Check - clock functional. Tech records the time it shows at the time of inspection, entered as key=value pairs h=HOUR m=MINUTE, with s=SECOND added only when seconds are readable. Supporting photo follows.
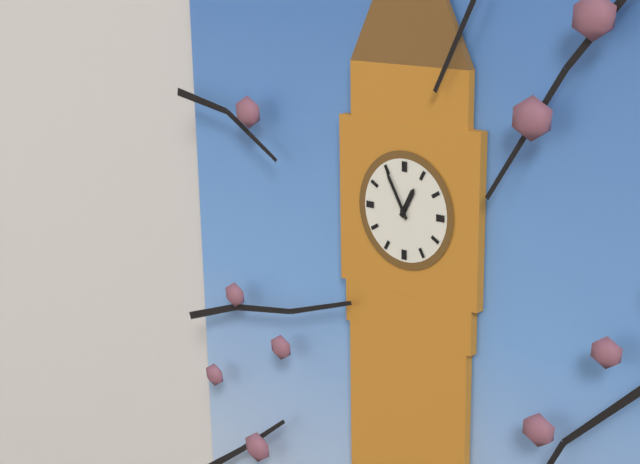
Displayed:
h=12 m=55
